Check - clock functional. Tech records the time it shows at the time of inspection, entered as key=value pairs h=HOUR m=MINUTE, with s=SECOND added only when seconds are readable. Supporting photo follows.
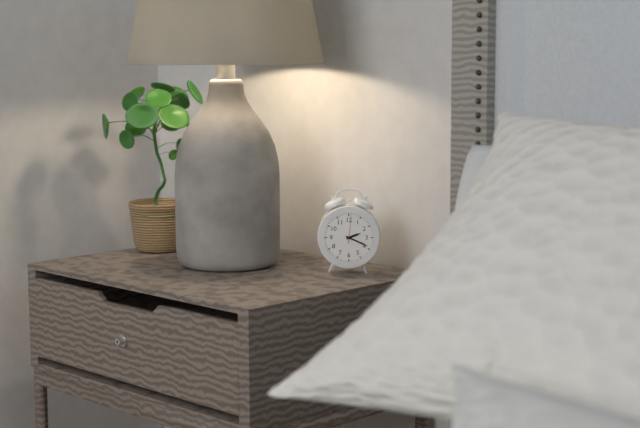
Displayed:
h=2 m=19
